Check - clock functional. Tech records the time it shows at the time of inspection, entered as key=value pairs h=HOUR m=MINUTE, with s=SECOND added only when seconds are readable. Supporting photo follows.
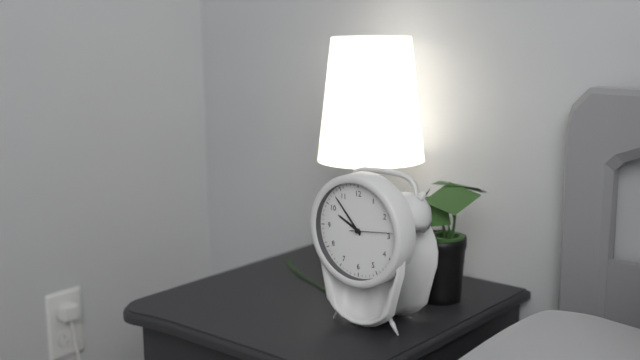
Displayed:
h=9 m=53
